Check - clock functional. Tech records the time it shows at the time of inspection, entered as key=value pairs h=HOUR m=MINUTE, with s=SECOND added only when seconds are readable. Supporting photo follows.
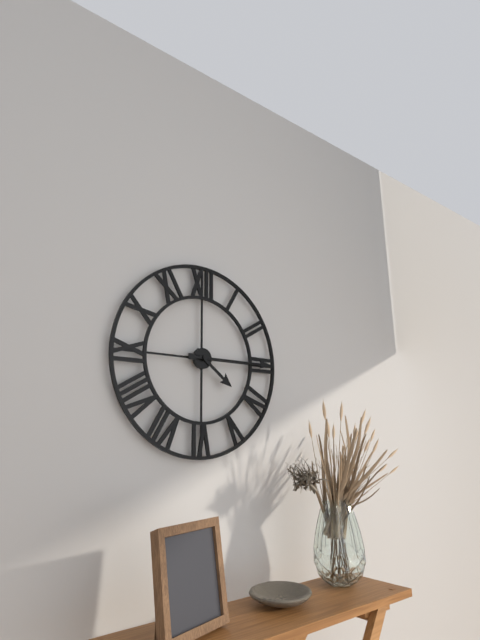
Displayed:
h=4 m=15
